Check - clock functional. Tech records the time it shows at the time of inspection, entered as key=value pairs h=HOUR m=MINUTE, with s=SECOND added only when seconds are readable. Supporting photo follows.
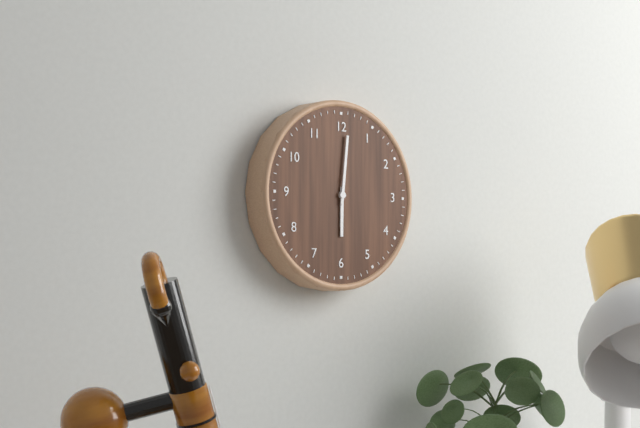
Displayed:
h=6 m=1
